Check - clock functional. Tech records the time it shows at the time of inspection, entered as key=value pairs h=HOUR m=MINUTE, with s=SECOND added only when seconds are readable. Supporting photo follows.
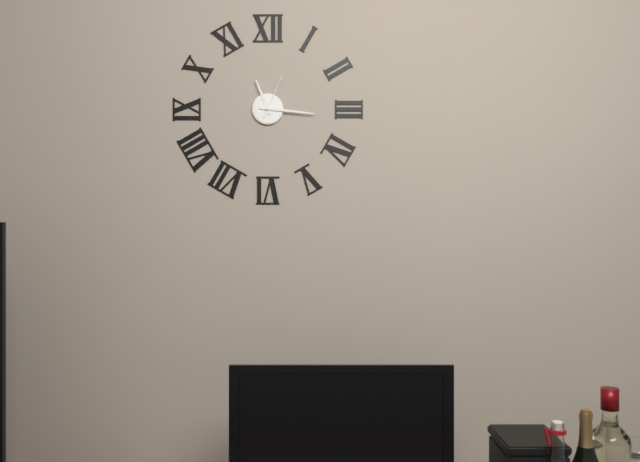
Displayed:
h=11 m=16
